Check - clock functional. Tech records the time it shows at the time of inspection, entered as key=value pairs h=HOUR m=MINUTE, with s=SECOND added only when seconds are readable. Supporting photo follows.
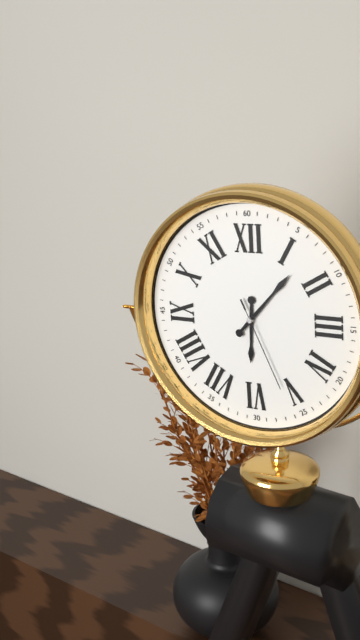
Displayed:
h=6 m=7 s=26
